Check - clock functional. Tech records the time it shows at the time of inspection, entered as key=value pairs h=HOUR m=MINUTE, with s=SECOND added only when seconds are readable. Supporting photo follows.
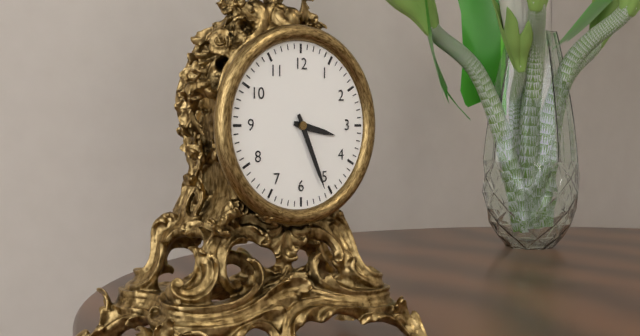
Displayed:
h=3 m=26
